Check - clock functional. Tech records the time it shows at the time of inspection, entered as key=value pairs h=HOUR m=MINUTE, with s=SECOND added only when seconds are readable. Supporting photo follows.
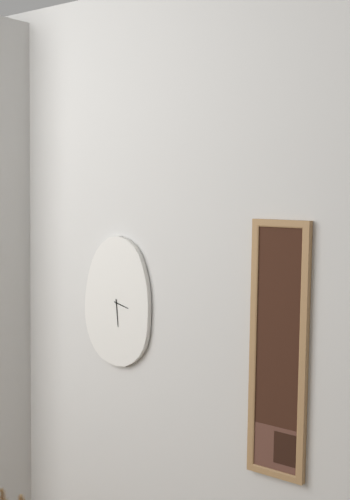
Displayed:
h=3 m=29
